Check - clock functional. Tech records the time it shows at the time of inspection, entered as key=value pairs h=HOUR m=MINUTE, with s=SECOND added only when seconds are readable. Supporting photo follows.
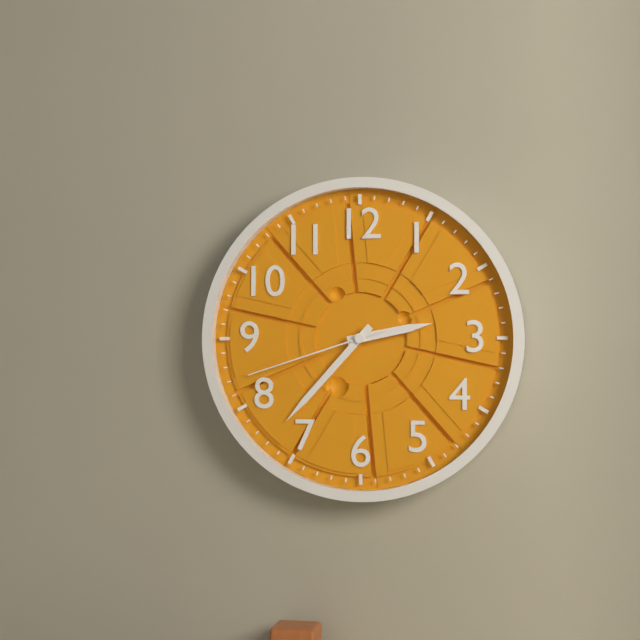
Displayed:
h=2 m=37 s=42
